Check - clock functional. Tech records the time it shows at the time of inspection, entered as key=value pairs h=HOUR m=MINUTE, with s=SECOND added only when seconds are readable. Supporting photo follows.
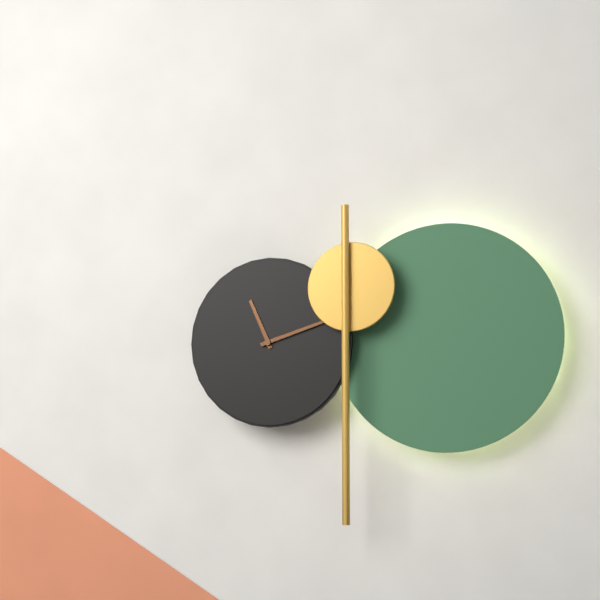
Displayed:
h=11 m=12
